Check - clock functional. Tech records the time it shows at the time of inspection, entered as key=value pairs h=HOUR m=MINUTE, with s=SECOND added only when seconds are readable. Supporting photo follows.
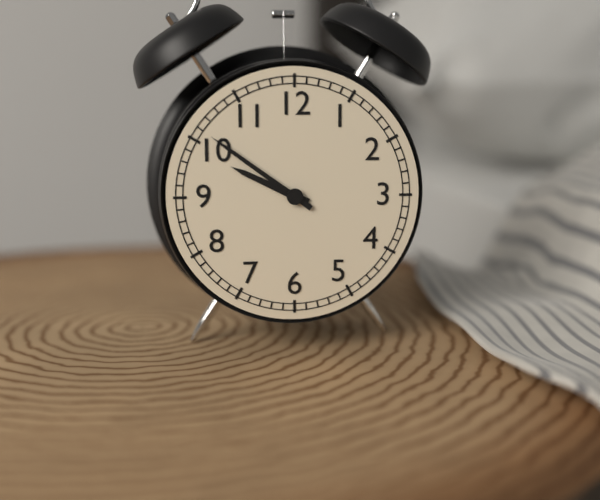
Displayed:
h=9 m=51
